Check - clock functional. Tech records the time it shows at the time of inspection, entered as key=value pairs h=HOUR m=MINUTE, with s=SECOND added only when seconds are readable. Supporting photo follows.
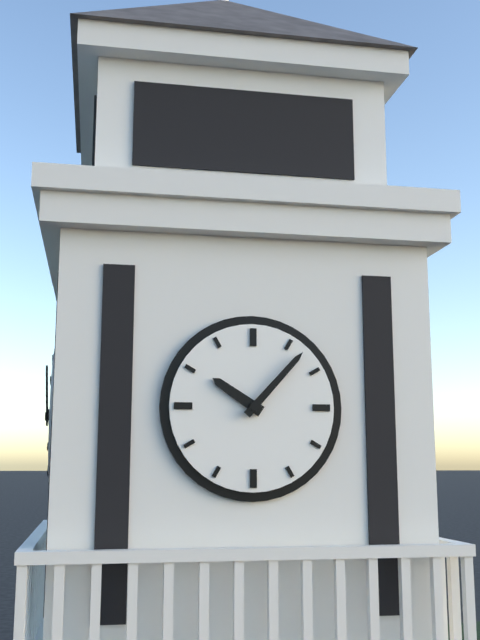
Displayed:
h=10 m=7
